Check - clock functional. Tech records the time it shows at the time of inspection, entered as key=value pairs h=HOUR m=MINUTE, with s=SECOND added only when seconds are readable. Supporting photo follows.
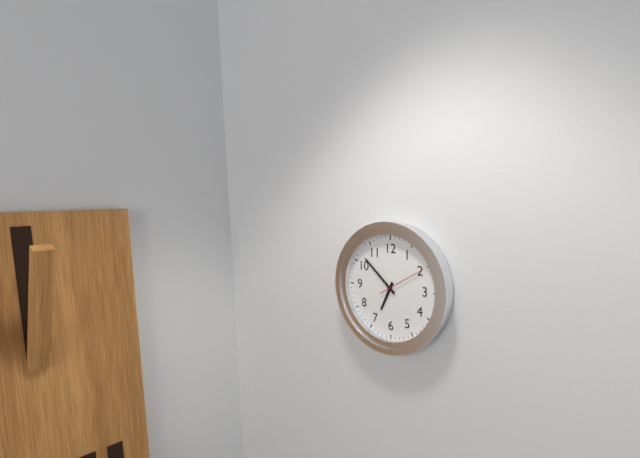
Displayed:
h=6 m=52
